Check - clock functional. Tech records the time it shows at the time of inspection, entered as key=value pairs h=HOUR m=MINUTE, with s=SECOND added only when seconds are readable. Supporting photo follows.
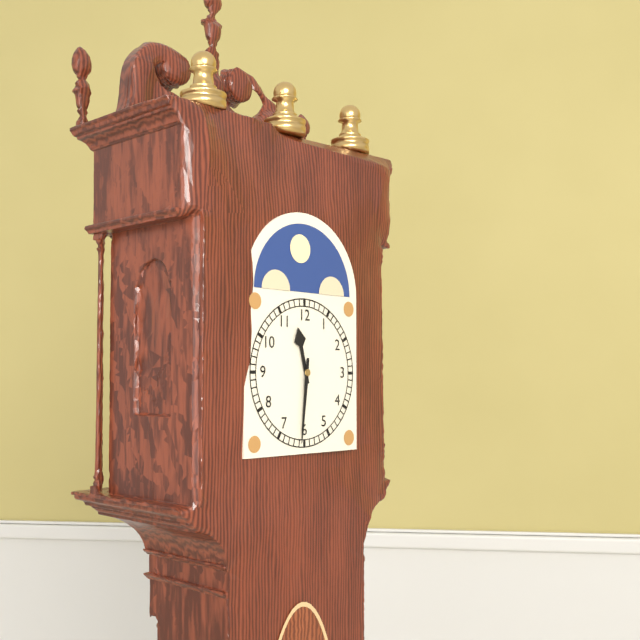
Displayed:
h=11 m=31
